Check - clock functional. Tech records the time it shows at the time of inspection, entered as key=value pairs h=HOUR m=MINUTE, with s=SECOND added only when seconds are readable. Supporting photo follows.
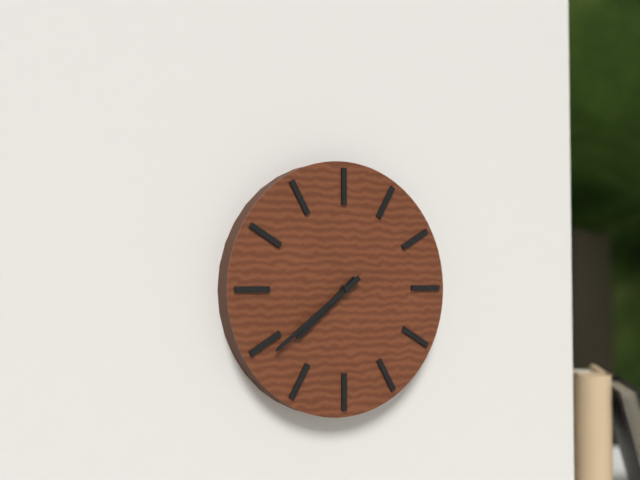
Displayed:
h=7 m=39
